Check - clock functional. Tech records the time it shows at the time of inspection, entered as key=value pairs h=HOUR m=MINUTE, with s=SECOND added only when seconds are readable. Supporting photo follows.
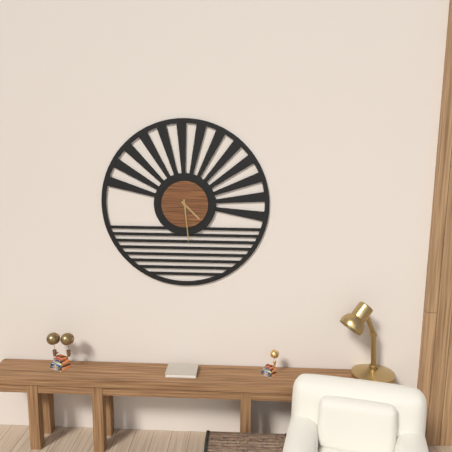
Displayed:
h=4 m=29
